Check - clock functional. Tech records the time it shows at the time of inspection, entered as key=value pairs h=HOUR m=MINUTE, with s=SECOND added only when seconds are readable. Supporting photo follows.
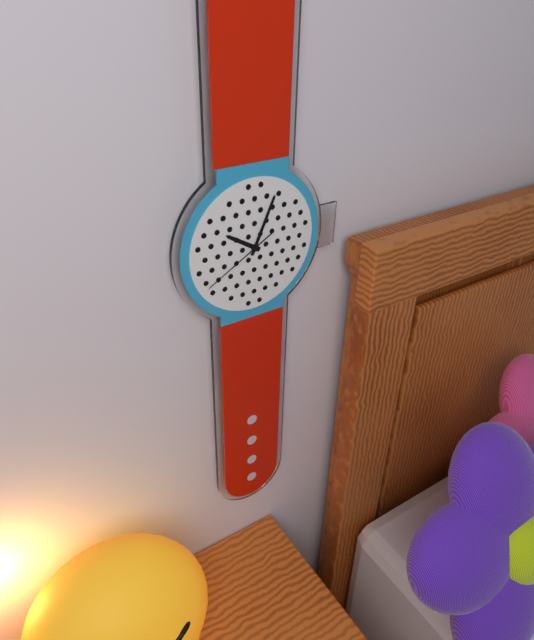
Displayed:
h=10 m=4 s=40
